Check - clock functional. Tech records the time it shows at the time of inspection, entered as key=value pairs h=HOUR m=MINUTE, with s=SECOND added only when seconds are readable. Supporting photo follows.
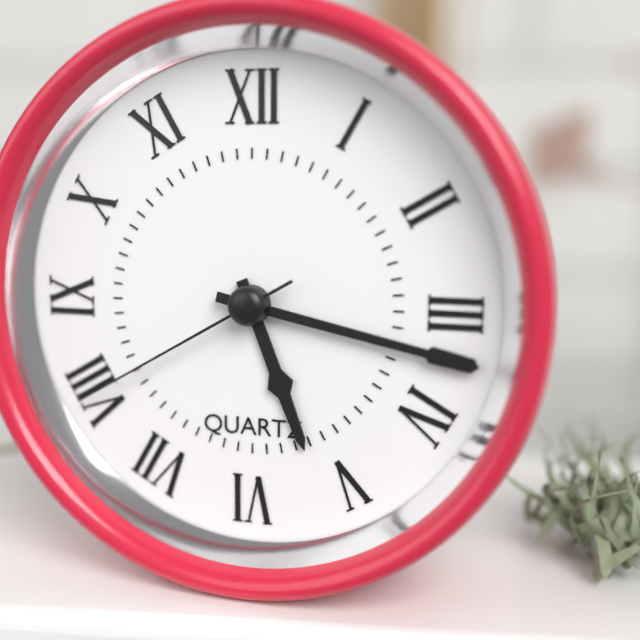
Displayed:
h=5 m=17 s=40
